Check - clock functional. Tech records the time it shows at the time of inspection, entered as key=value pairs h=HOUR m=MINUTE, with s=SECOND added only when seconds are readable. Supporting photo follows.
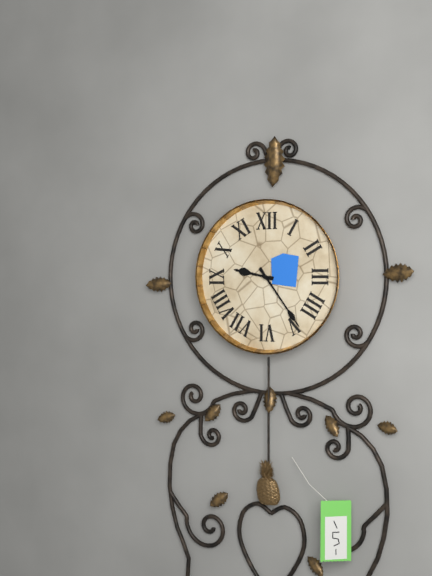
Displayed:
h=9 m=24
